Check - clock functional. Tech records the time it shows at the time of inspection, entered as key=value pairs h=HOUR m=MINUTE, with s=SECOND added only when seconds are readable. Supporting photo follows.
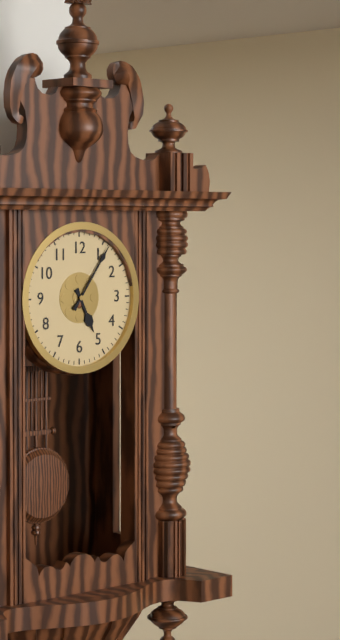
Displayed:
h=5 m=6
